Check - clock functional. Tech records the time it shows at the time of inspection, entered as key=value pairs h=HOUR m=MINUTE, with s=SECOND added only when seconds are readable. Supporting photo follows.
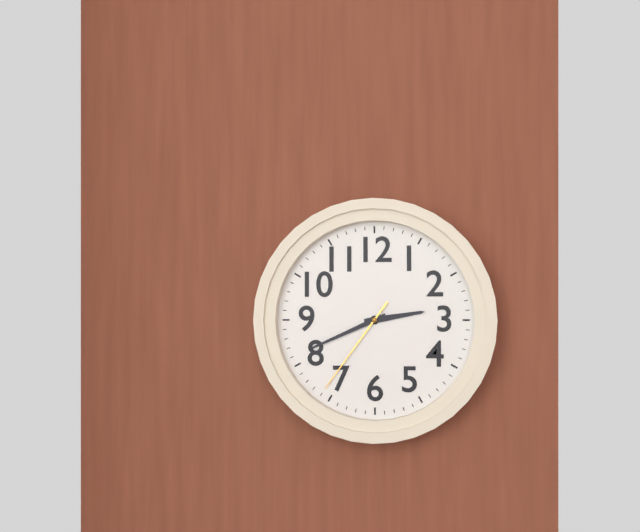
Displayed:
h=2 m=41 s=36
